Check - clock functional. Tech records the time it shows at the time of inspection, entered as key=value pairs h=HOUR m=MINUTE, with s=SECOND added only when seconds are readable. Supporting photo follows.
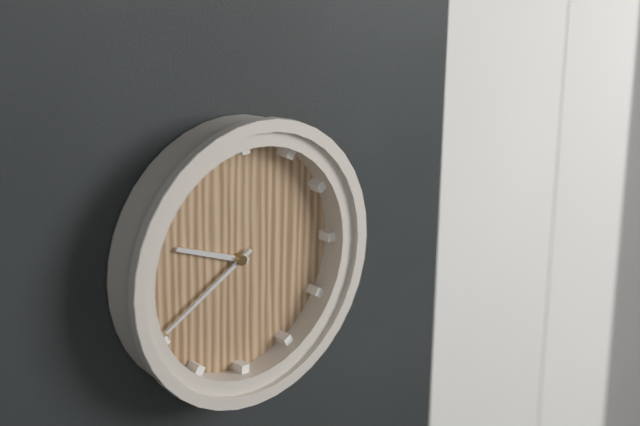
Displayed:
h=9 m=40
